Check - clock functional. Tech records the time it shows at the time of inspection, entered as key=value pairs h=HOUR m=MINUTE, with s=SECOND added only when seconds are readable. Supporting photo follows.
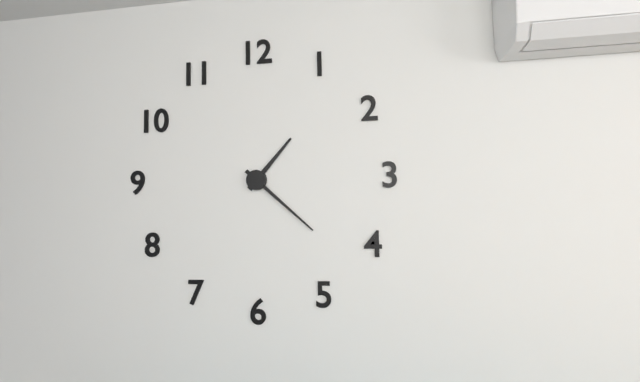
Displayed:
h=1 m=22
